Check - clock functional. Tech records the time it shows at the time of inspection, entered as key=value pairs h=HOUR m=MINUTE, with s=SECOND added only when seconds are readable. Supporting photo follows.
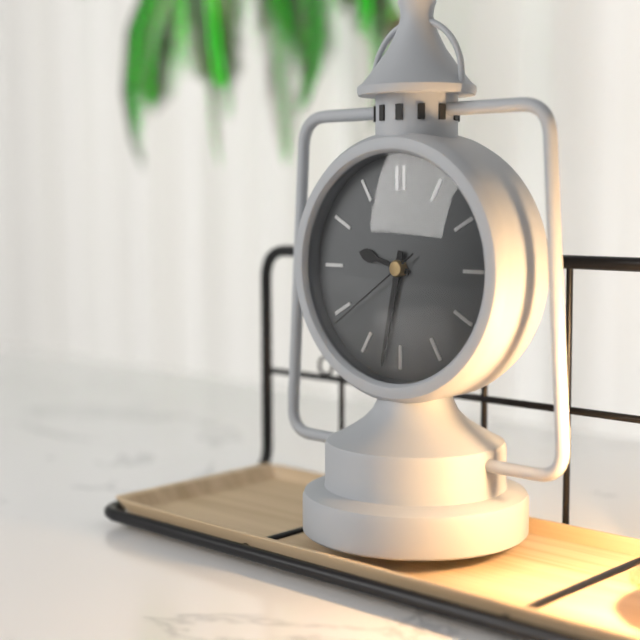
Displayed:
h=9 m=32 s=39
